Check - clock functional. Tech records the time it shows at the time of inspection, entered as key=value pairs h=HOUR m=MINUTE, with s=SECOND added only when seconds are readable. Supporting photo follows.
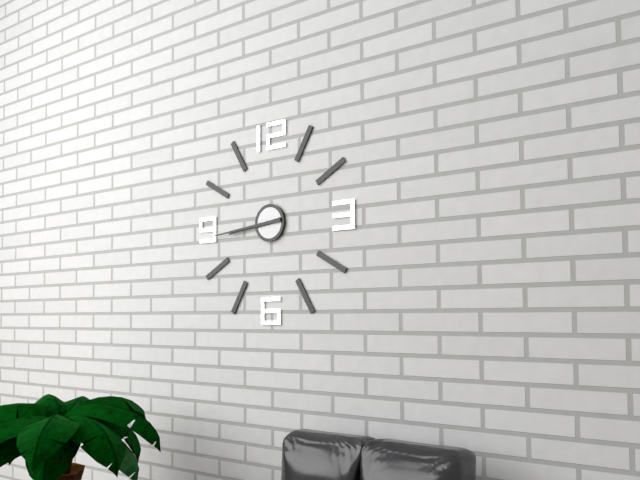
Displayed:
h=8 m=44
